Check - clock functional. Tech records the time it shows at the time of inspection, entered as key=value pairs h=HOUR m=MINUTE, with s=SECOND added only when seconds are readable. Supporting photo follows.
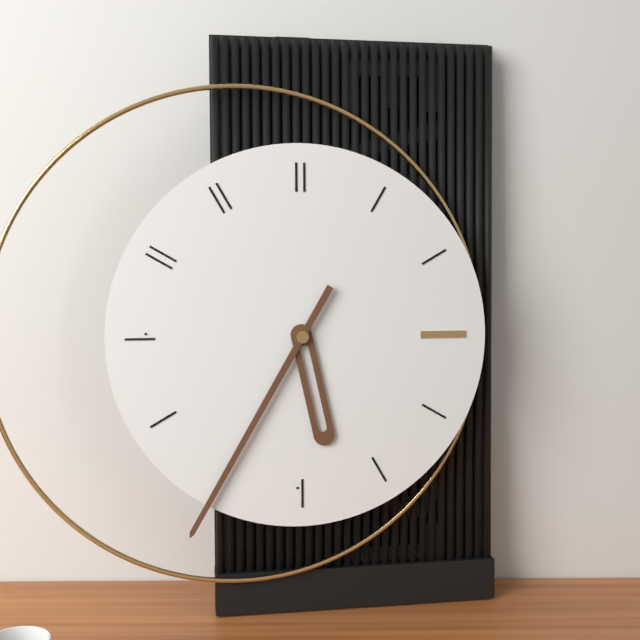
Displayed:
h=5 m=35
